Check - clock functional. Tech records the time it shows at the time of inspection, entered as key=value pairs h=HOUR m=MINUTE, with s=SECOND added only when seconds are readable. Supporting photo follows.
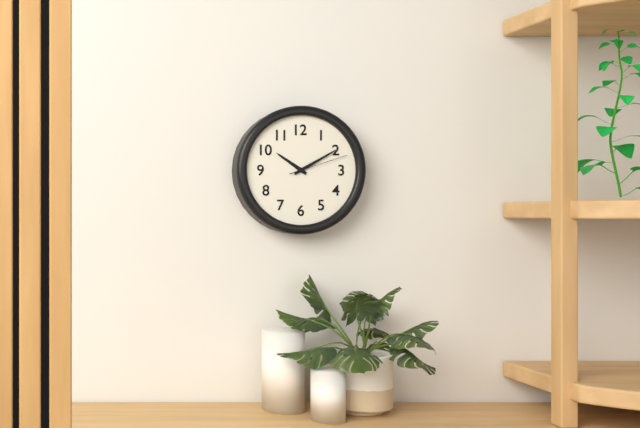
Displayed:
h=10 m=10 s=12
